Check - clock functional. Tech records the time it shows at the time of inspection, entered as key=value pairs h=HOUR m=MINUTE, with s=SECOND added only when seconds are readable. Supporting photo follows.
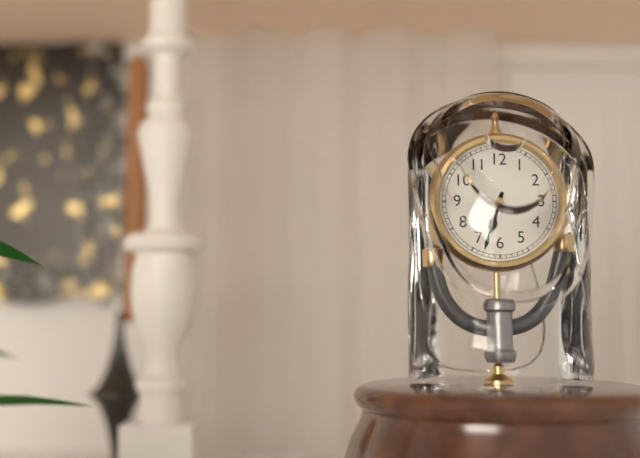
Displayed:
h=6 m=33
